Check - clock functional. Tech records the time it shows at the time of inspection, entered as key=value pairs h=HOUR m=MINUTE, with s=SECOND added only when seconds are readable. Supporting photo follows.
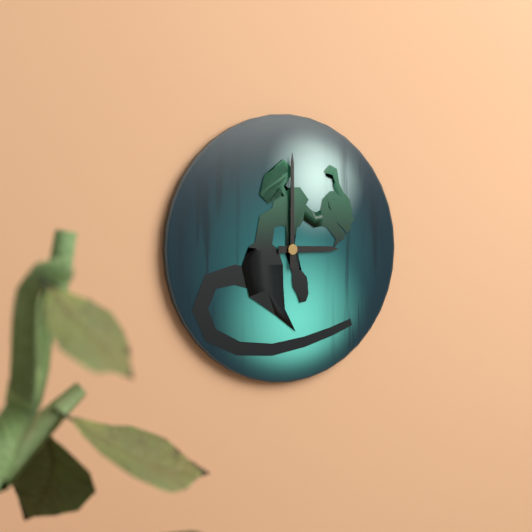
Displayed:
h=3 m=0
